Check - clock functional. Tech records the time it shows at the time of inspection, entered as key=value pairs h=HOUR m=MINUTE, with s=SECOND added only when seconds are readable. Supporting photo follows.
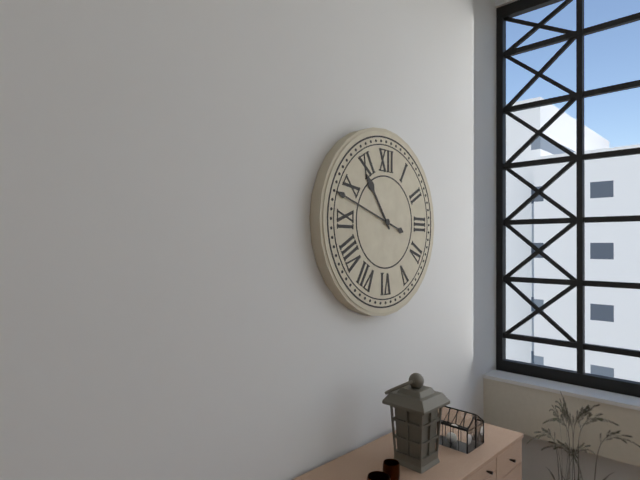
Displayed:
h=10 m=48
